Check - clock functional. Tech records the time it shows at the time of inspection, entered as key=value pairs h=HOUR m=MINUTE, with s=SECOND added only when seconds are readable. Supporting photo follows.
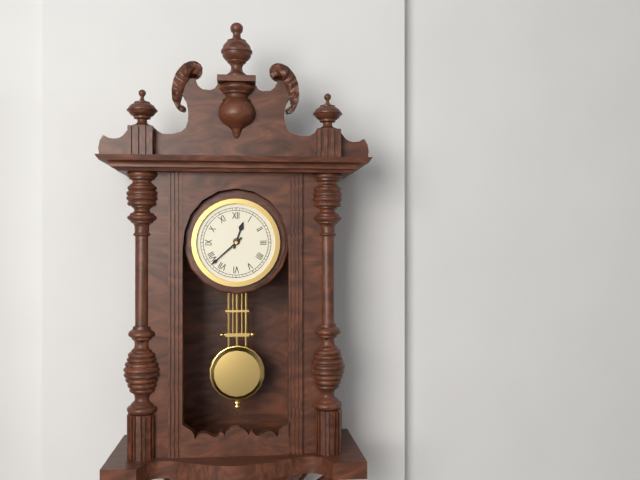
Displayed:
h=12 m=38
